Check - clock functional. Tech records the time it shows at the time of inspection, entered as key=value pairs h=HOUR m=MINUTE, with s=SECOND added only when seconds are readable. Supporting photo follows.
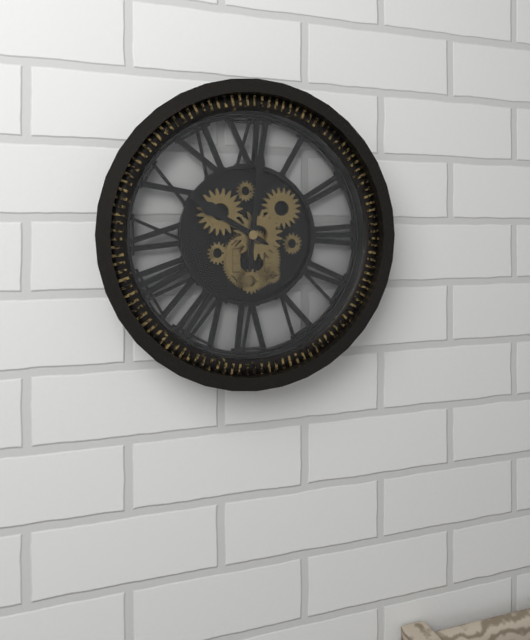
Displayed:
h=10 m=1
